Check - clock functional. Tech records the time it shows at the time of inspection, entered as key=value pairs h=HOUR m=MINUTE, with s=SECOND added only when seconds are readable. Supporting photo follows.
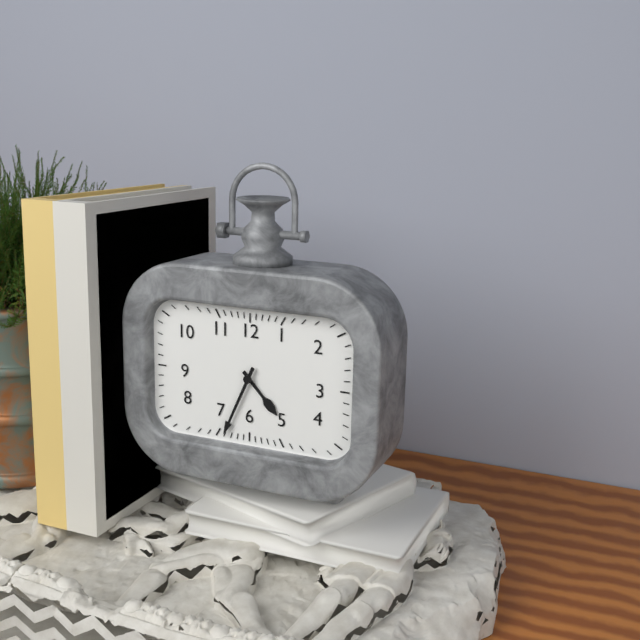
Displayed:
h=4 m=34
